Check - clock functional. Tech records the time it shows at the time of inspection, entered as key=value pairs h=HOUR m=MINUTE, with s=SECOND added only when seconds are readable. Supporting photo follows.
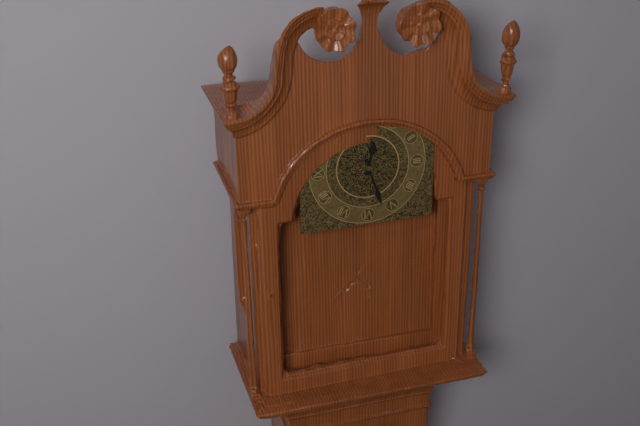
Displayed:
h=12 m=27
